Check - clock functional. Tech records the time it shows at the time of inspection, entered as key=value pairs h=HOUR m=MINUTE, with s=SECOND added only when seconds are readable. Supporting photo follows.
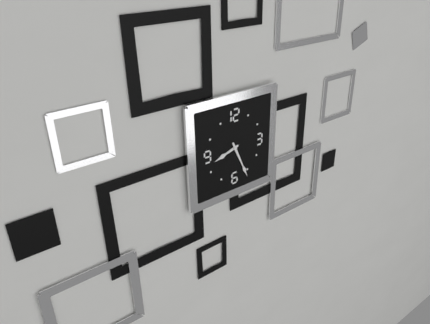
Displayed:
h=8 m=26
